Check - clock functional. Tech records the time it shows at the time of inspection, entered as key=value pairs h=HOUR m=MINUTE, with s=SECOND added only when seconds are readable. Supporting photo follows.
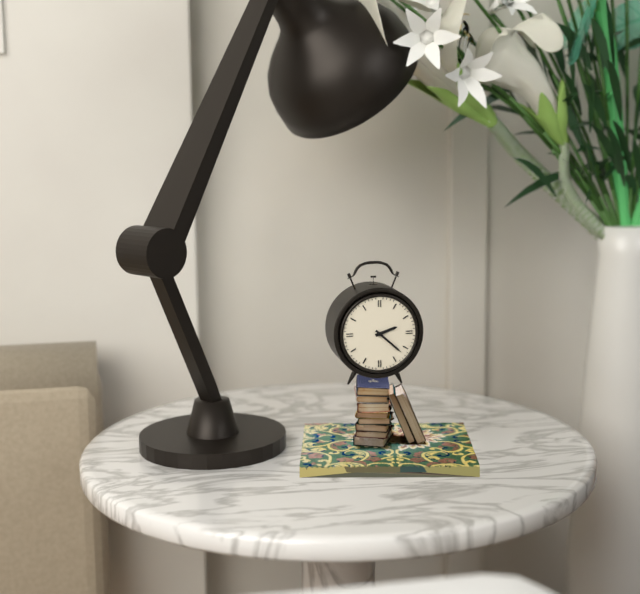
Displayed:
h=2 m=22
